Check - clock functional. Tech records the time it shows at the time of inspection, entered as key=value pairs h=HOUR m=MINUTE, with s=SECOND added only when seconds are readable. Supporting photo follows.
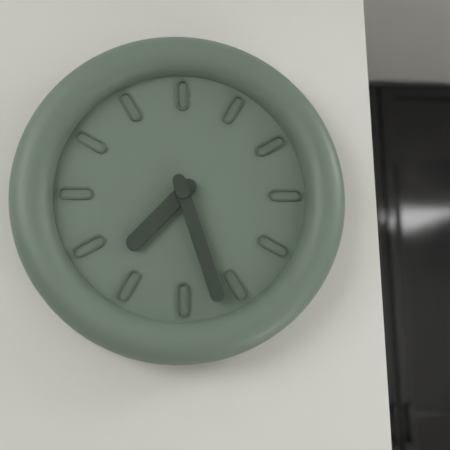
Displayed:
h=7 m=27
